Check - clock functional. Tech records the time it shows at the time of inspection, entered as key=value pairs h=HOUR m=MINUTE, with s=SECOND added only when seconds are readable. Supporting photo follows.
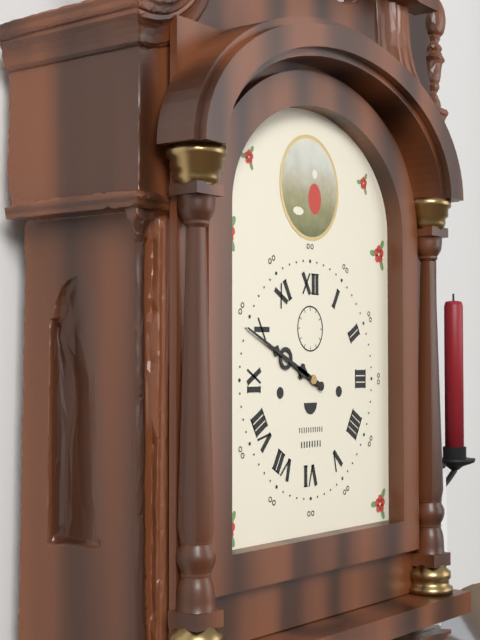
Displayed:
h=9 m=49
